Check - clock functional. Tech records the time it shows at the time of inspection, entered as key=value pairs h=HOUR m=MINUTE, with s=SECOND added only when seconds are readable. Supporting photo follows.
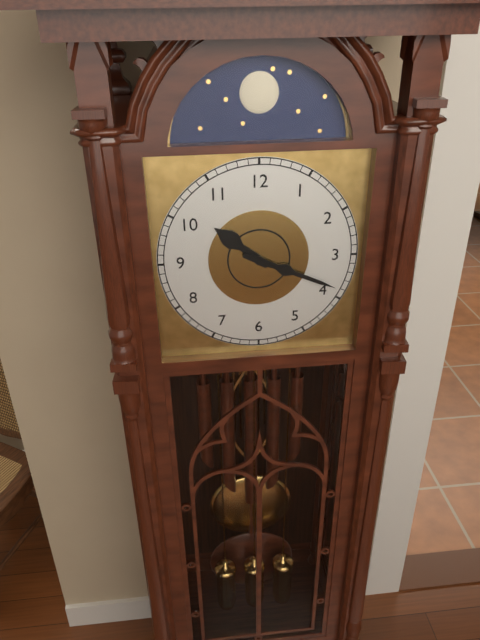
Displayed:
h=10 m=19
